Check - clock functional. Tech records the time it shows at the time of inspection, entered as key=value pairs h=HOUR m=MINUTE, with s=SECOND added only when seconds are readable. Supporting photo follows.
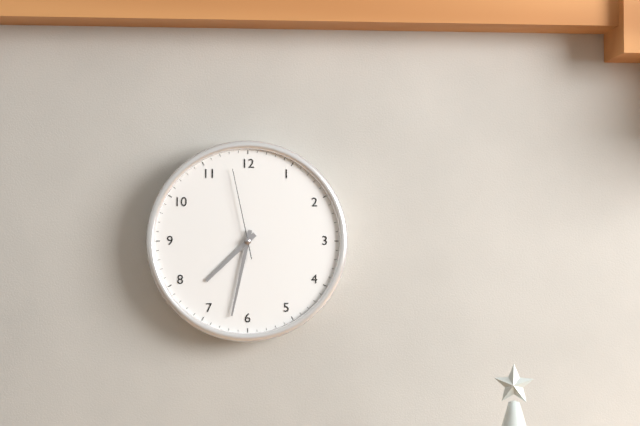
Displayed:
h=7 m=32 s=58
